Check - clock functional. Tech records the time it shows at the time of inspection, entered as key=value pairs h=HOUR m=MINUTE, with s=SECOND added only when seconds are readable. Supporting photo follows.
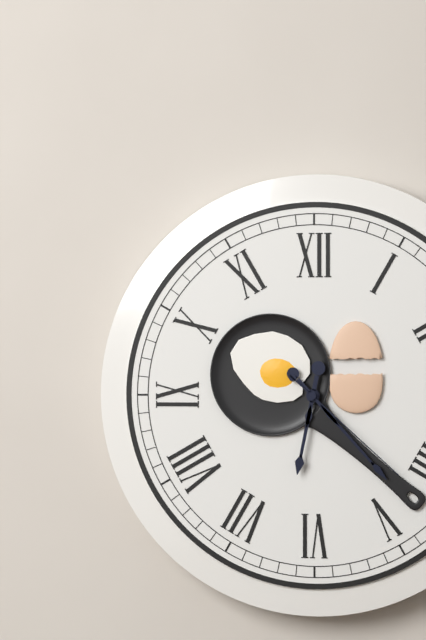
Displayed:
h=6 m=23 s=22
